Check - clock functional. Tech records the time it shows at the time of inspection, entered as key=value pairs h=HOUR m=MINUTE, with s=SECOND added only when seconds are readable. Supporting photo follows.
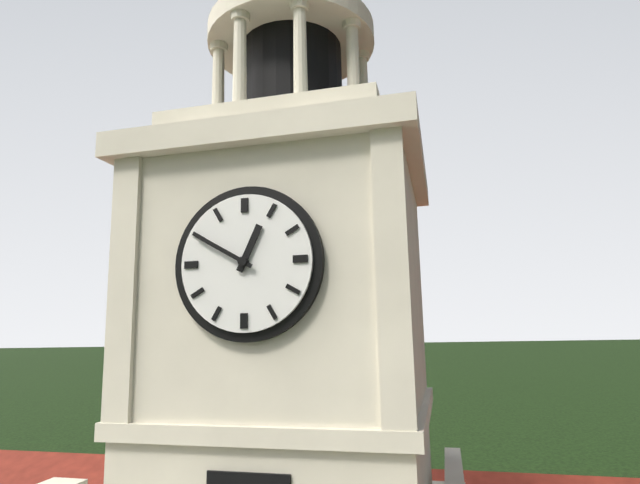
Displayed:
h=12 m=50
